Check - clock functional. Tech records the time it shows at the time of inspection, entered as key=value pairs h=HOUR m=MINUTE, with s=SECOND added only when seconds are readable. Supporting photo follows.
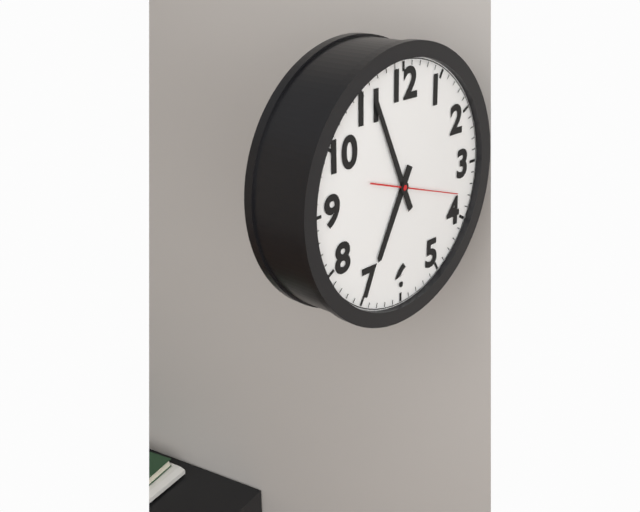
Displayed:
h=6 m=56 s=18
